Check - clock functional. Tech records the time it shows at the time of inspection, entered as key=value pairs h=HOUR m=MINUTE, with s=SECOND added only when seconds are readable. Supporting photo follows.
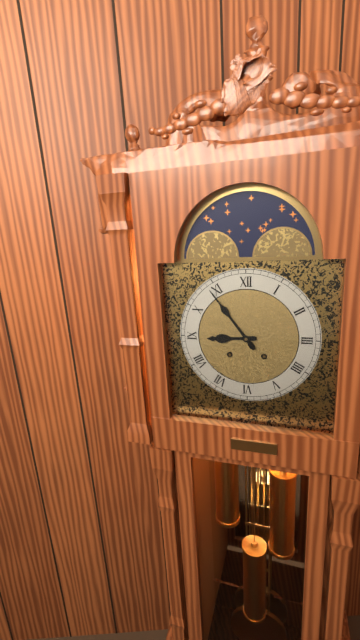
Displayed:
h=8 m=54
